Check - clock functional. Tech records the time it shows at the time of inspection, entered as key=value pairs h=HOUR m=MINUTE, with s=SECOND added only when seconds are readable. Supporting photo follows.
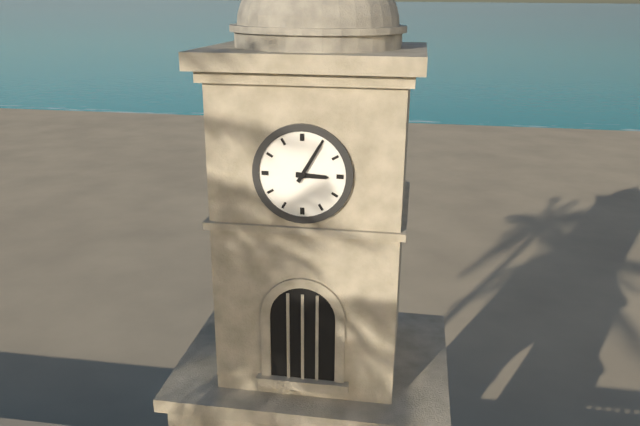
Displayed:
h=3 m=5
